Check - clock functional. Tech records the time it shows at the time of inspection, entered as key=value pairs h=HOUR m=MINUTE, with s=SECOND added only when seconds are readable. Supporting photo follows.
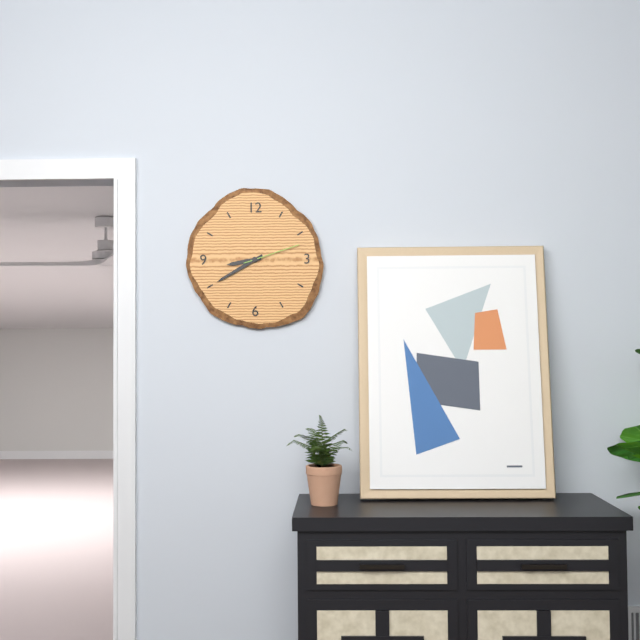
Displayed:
h=8 m=40 s=12
